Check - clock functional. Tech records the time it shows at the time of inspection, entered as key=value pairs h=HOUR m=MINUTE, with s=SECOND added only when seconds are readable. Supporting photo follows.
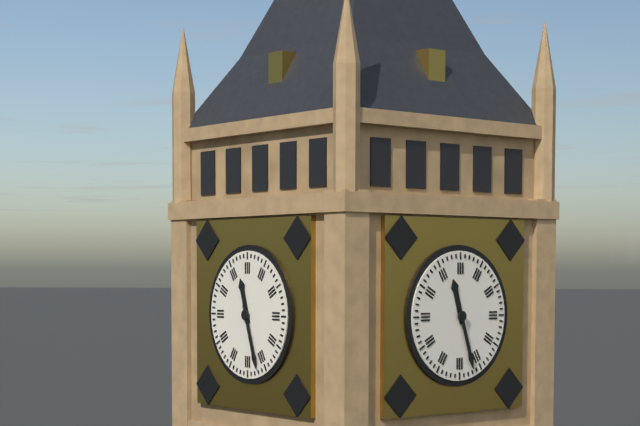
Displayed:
h=11 m=27
